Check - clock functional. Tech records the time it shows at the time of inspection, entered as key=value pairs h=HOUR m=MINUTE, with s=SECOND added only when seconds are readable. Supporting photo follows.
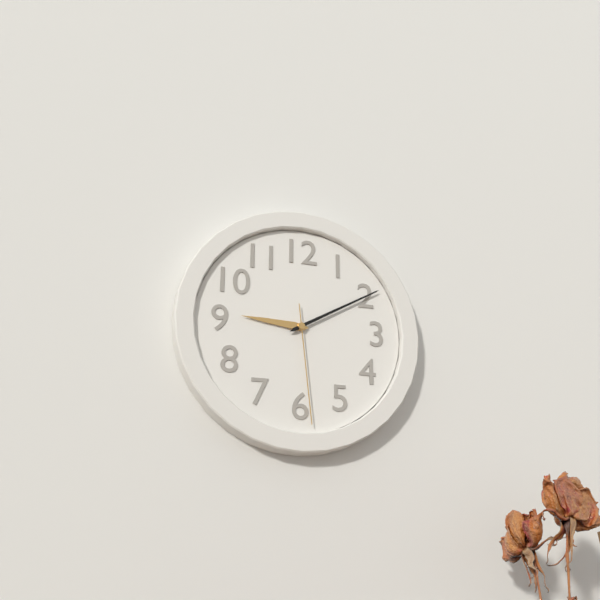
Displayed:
h=9 m=10 s=29
